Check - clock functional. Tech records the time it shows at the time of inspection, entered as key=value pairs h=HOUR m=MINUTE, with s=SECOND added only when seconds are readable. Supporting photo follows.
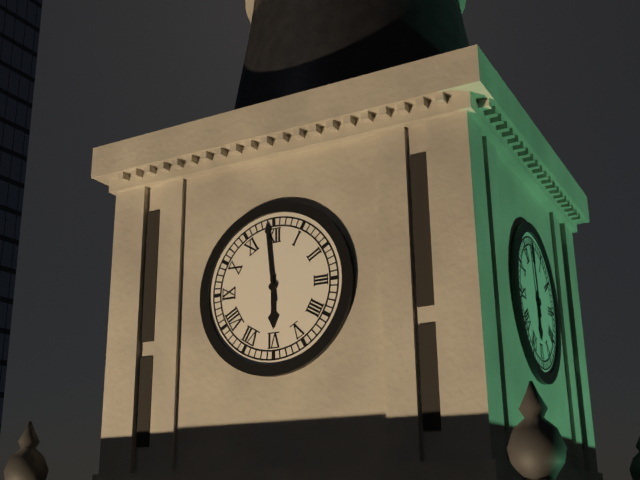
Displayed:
h=5 m=59
